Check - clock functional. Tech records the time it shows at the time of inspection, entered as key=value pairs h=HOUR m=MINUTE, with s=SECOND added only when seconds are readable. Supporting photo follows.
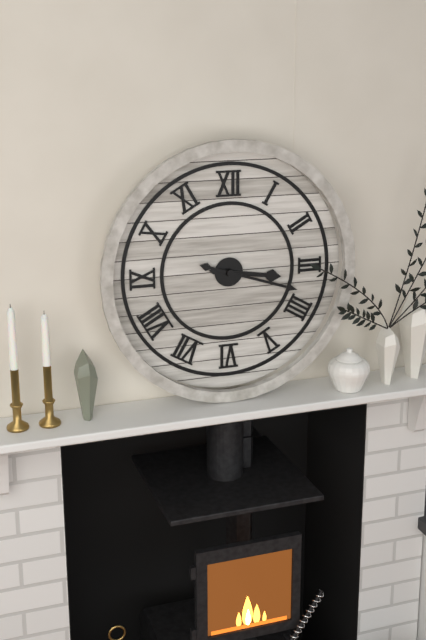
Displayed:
h=3 m=18
